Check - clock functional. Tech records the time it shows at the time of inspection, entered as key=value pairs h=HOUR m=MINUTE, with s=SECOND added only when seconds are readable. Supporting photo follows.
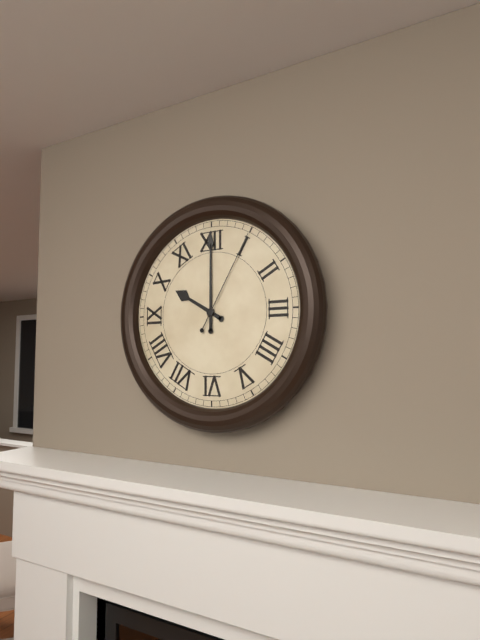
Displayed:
h=10 m=0 s=5
